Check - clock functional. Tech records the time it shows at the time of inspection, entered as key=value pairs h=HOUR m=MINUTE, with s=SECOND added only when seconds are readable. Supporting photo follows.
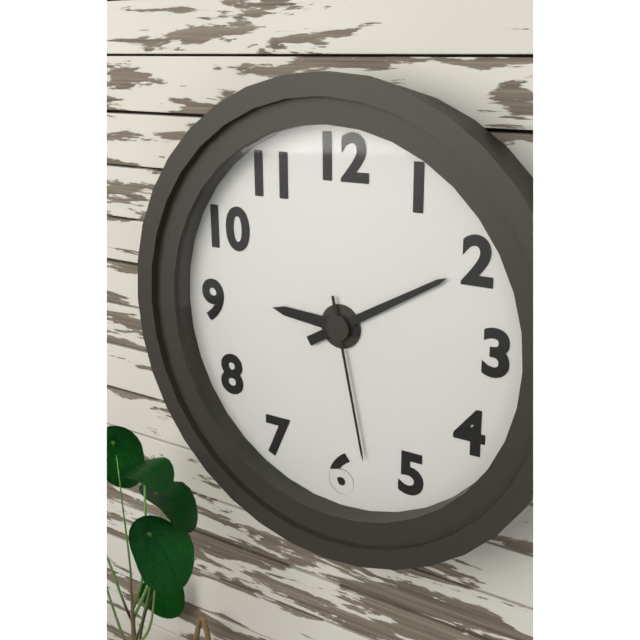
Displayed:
h=9 m=10 s=28
